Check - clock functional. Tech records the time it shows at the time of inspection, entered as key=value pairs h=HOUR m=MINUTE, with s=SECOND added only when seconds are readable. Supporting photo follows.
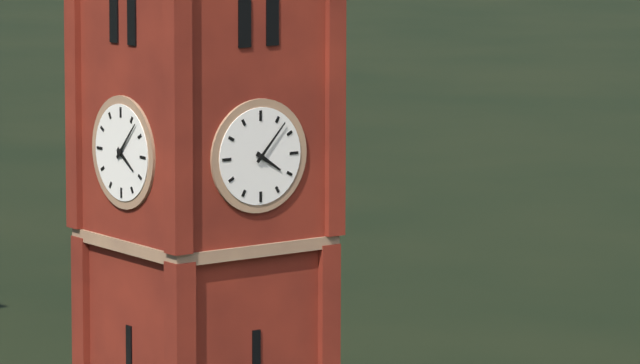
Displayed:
h=4 m=7
